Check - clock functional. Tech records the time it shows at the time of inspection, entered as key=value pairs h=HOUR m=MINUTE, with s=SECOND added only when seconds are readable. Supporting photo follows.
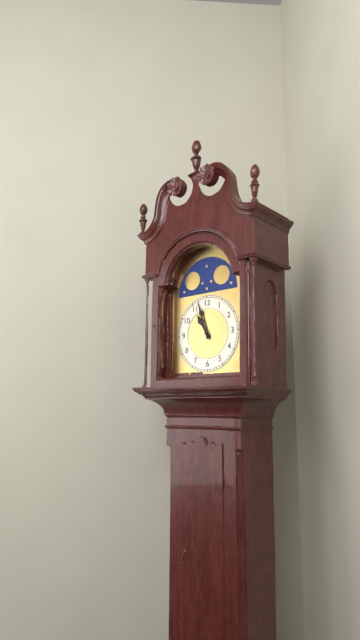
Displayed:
h=10 m=57
